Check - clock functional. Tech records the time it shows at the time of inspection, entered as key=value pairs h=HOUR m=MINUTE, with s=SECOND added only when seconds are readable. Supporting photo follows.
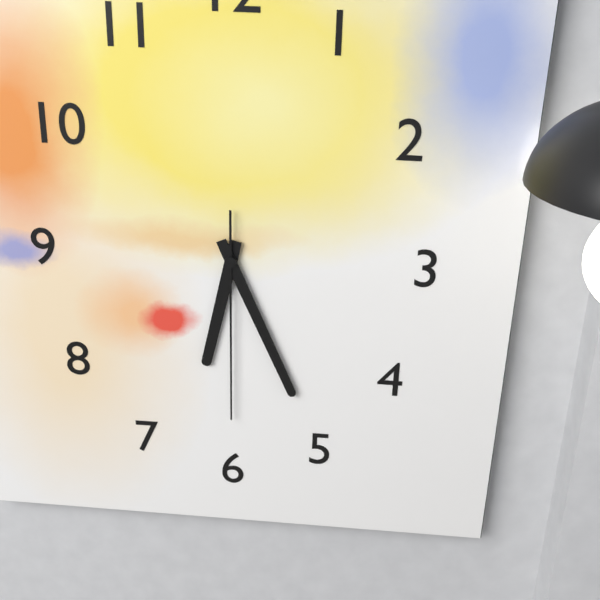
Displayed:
h=6 m=26 s=30
